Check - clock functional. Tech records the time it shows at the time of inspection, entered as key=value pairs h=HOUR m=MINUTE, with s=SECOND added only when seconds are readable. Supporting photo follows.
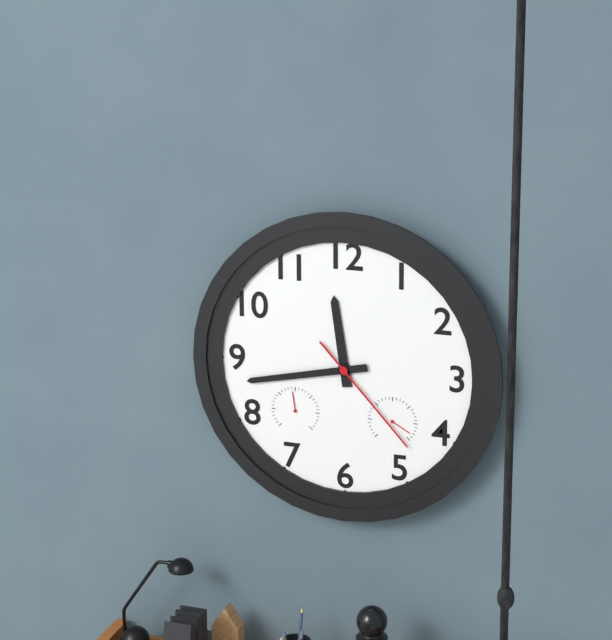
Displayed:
h=11 m=43 s=23
